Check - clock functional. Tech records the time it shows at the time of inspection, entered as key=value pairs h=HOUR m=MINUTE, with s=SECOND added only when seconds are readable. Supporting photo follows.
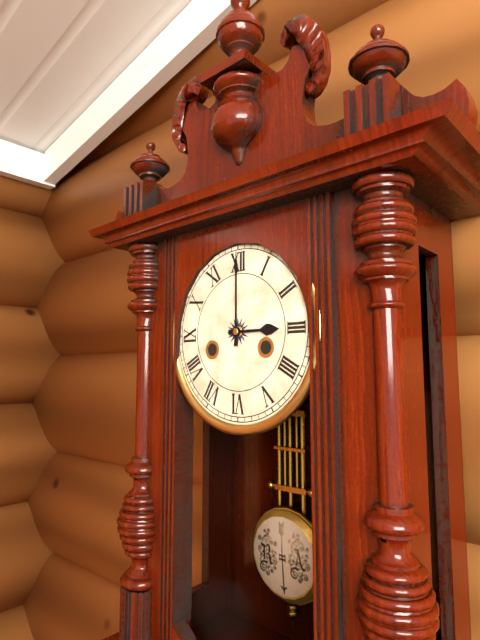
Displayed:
h=3 m=0
